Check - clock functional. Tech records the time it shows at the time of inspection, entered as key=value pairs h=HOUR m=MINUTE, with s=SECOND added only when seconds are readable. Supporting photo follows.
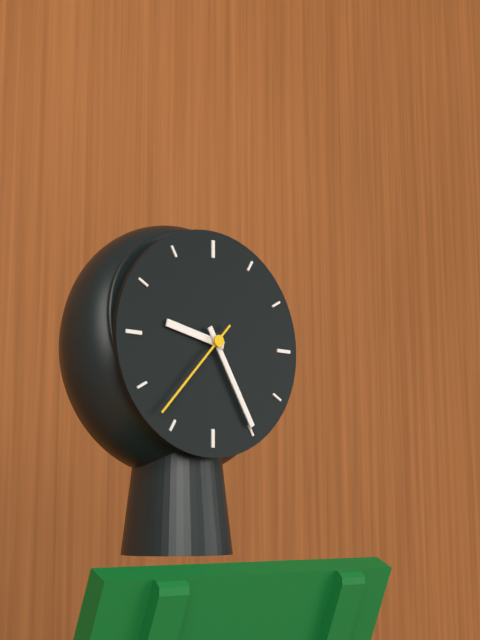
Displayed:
h=9 m=25 s=37
